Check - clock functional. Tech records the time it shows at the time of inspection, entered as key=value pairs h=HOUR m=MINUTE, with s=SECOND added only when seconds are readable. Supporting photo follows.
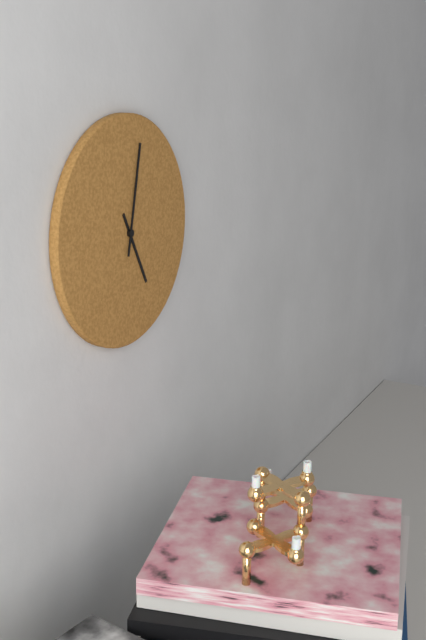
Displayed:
h=5 m=2
